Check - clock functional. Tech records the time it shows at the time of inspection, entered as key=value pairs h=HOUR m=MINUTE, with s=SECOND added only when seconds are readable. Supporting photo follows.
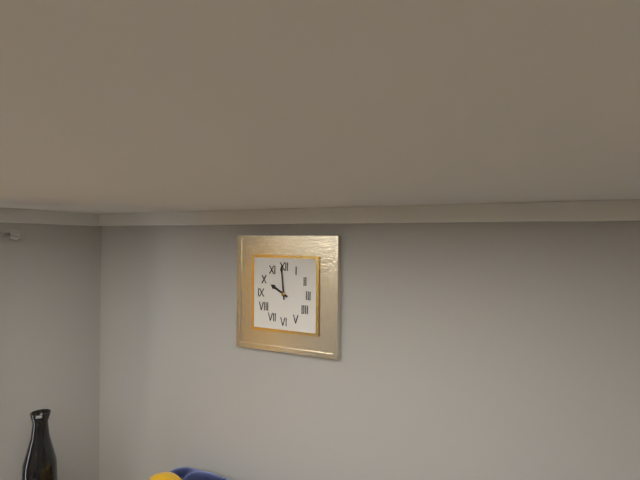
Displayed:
h=9 m=59
